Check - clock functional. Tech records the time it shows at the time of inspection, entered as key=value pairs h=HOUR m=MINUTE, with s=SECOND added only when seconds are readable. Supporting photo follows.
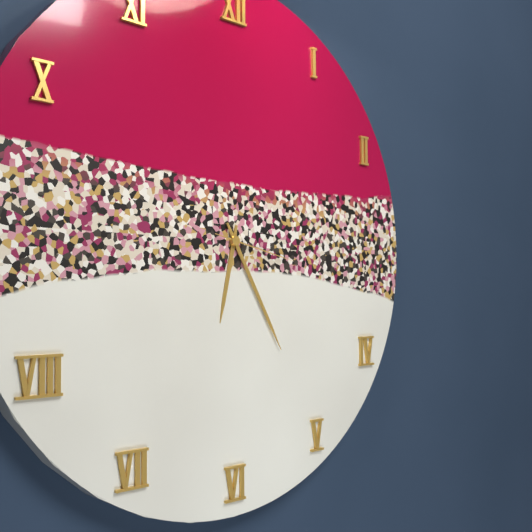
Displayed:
h=6 m=25 s=17
